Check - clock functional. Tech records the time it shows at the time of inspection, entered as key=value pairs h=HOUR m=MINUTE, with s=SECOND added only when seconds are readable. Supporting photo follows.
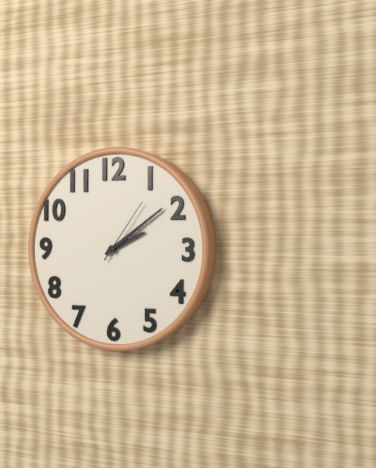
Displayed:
h=2 m=9 s=6
